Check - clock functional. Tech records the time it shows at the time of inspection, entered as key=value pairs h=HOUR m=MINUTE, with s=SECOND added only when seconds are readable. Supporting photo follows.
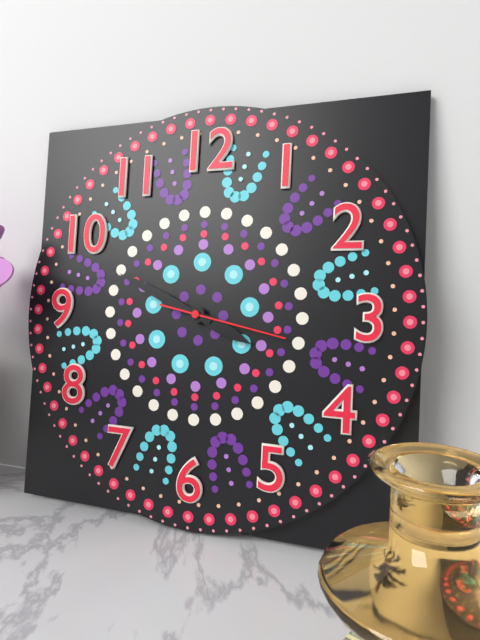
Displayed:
h=3 m=49 s=17
